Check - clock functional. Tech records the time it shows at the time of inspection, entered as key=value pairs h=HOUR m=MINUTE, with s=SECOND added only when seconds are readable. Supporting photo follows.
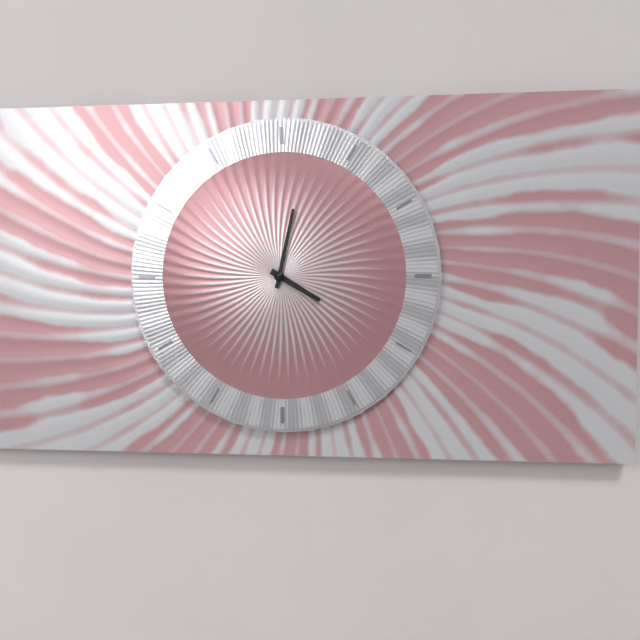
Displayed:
h=4 m=2
